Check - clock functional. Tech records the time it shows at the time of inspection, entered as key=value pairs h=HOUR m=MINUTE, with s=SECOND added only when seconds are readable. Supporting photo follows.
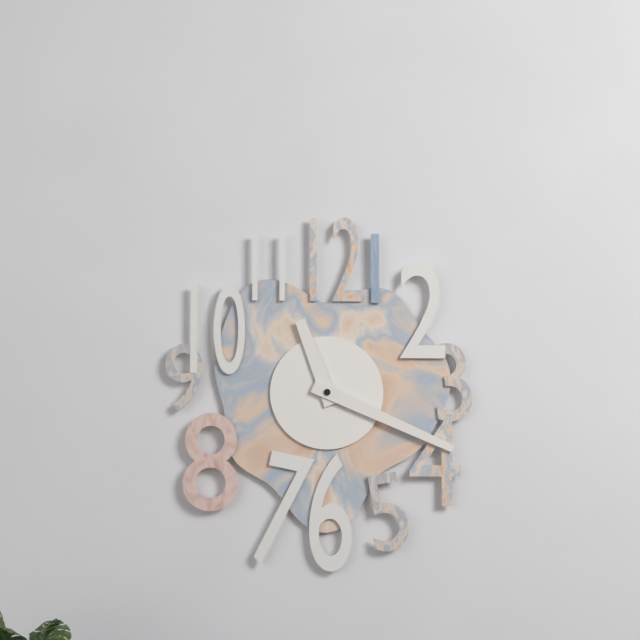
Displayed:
h=11 m=19
